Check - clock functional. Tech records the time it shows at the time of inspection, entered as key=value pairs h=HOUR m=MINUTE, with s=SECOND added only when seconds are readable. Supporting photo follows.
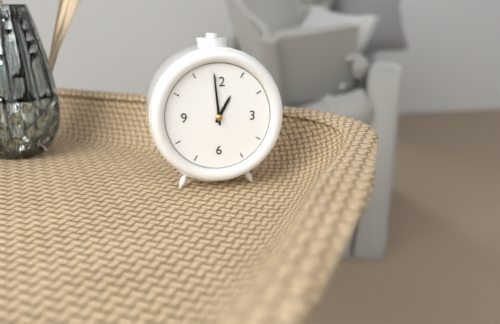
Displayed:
h=12 m=59
